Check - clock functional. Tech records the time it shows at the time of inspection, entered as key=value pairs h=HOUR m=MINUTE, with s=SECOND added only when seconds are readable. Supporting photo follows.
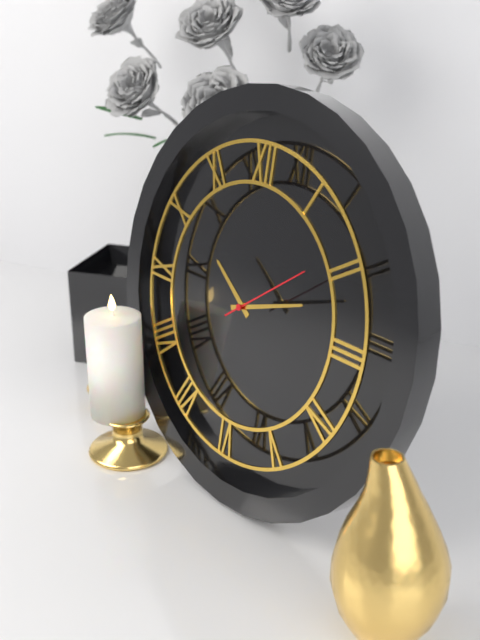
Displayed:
h=10 m=12 s=9
